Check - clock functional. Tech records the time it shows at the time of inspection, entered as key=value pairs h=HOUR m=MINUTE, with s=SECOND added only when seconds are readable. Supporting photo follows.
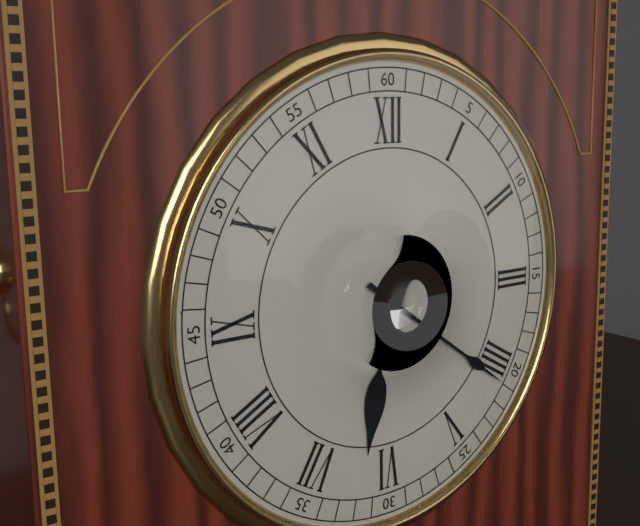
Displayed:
h=6 m=21
